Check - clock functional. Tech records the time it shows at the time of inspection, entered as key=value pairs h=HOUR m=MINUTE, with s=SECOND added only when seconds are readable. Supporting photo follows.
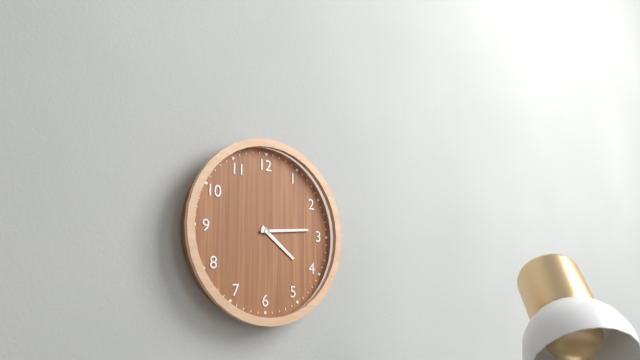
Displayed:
h=4 m=14
